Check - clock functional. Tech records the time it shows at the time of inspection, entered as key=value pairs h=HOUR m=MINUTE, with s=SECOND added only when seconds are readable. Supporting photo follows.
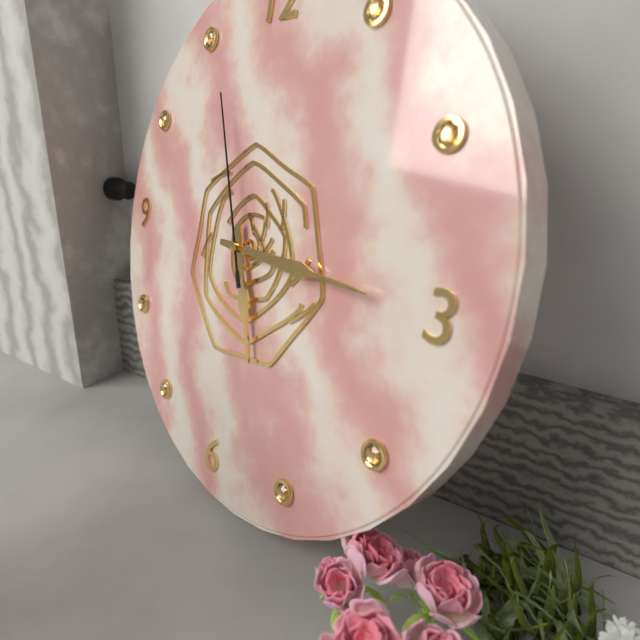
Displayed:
h=5 m=15 s=56
